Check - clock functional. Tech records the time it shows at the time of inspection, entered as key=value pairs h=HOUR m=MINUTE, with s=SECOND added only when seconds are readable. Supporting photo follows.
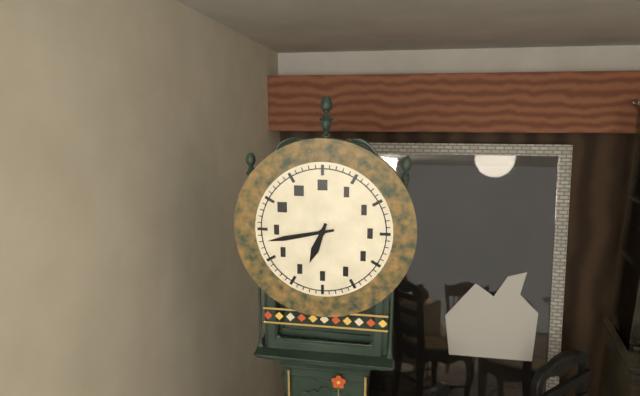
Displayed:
h=6 m=43
